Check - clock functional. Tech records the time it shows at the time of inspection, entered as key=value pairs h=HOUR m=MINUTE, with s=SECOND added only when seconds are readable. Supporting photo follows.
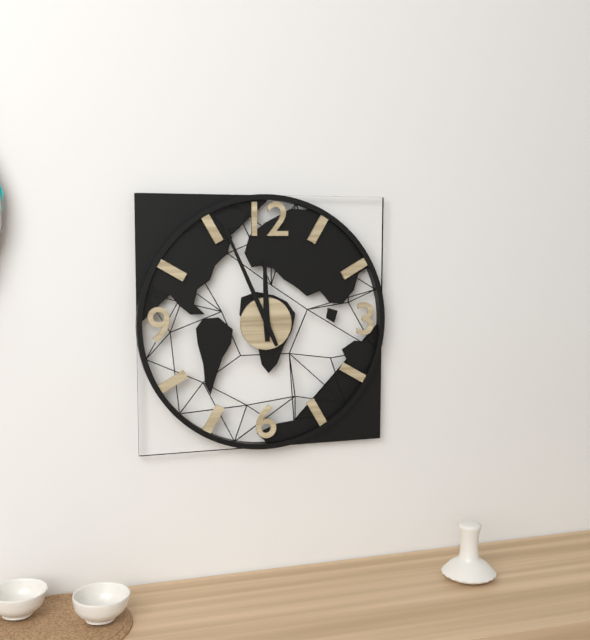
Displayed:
h=11 m=56
